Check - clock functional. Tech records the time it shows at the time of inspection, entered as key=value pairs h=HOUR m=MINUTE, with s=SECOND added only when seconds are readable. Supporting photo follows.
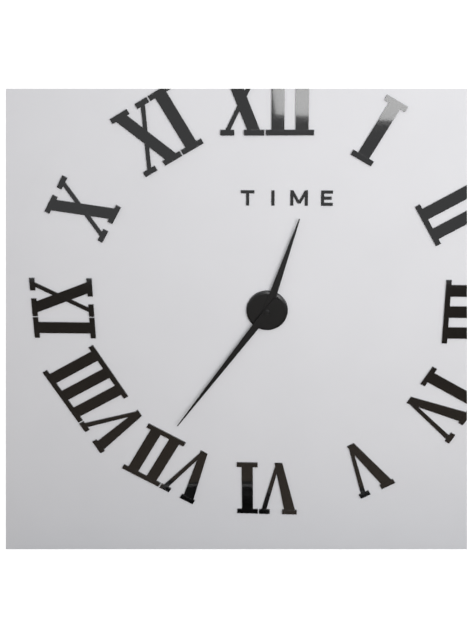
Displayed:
h=12 m=36
